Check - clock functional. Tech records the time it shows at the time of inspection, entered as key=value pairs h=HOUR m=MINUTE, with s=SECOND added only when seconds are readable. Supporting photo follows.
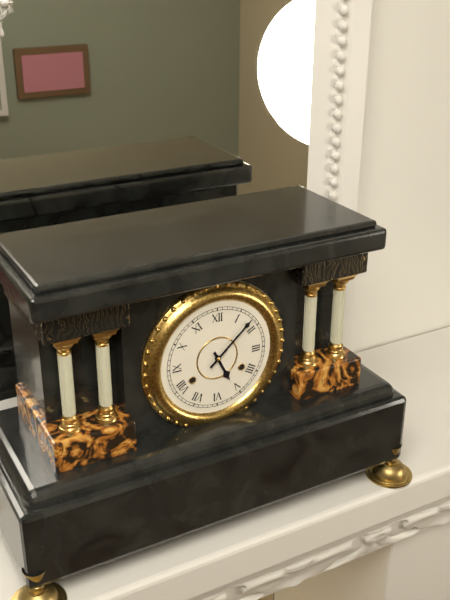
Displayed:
h=5 m=8
